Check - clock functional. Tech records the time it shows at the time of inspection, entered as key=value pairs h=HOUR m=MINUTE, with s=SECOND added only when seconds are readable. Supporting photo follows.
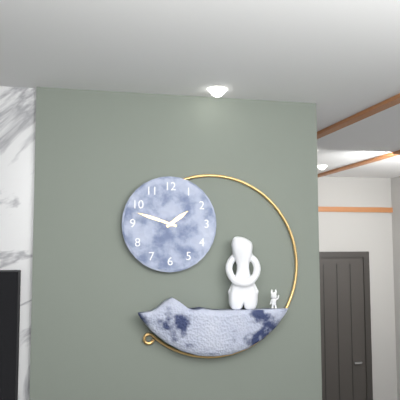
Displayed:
h=1 m=48
